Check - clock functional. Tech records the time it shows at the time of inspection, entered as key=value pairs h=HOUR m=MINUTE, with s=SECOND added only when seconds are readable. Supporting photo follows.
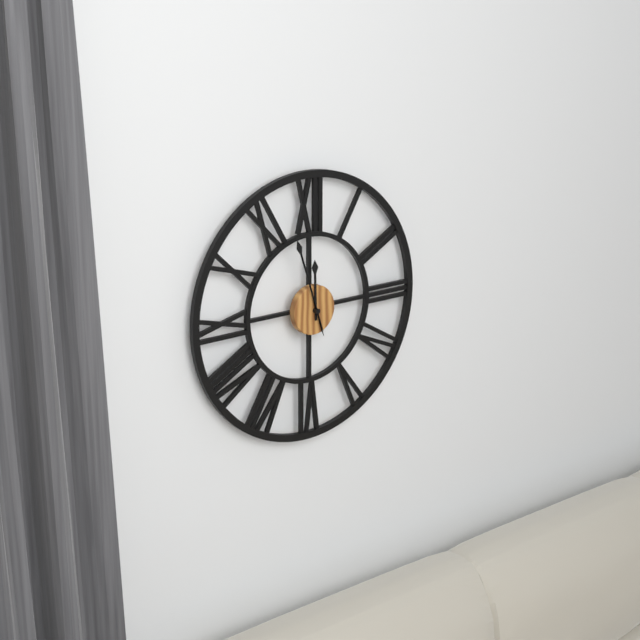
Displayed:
h=11 m=57
